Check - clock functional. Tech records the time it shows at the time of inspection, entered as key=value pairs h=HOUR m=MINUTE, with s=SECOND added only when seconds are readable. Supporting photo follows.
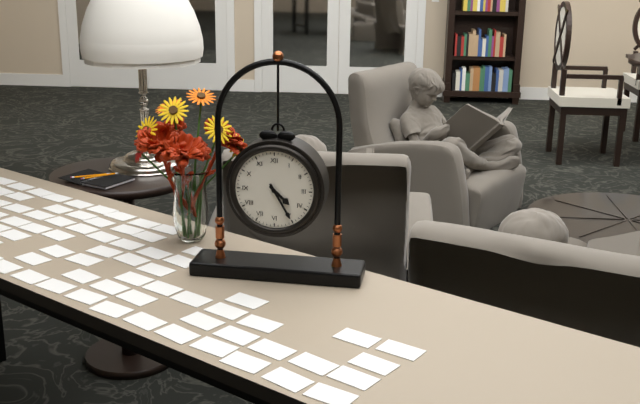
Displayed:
h=4 m=25
